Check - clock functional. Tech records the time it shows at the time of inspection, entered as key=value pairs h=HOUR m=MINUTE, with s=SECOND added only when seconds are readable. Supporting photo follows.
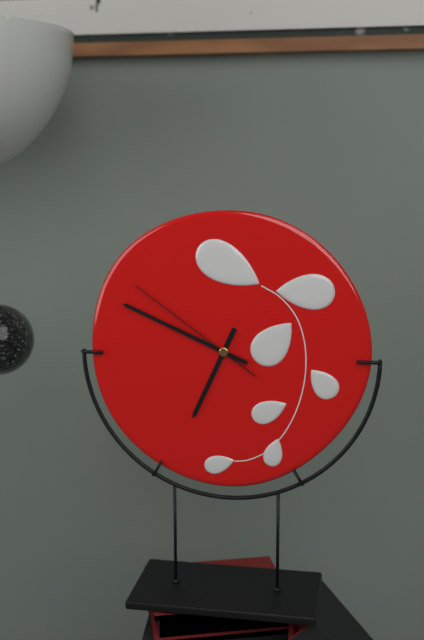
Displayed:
h=6 m=49 s=51
